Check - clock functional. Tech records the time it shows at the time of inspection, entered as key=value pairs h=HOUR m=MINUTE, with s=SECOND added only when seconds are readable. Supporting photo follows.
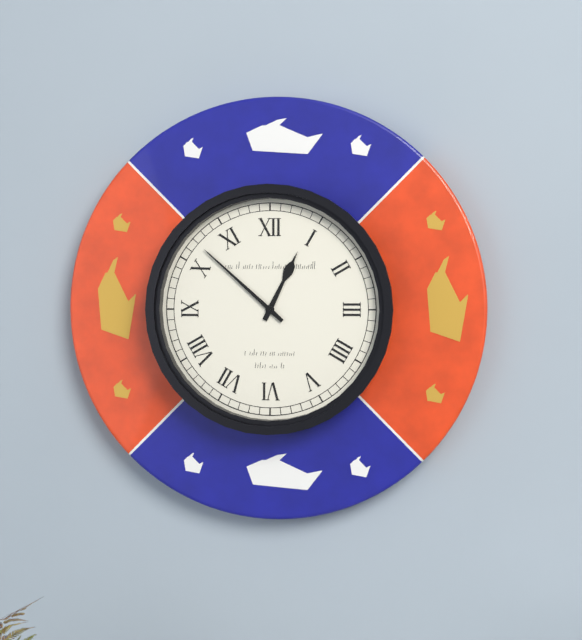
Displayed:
h=12 m=52
